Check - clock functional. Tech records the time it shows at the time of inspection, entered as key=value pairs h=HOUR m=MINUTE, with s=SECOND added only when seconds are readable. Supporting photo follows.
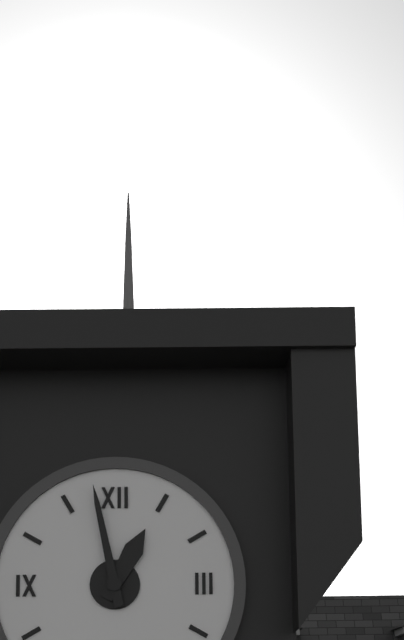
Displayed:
h=12 m=58
